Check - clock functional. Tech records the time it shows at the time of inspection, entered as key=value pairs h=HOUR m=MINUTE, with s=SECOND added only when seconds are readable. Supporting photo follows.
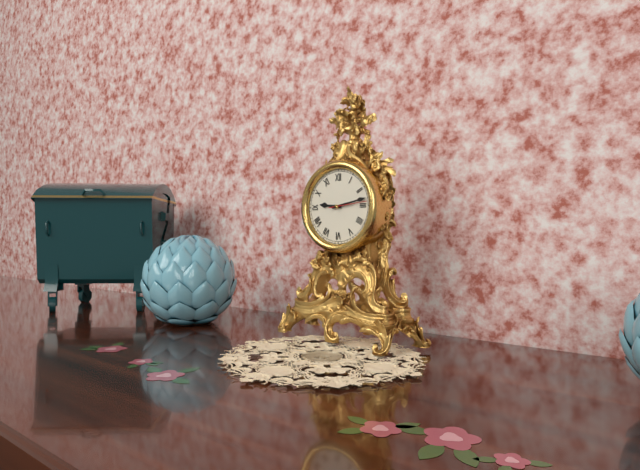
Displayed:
h=9 m=13
